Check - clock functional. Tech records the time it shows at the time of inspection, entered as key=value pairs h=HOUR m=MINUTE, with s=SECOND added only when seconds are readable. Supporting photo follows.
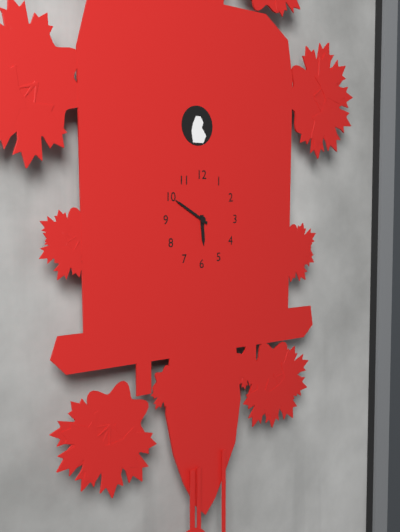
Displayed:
h=5 m=50
